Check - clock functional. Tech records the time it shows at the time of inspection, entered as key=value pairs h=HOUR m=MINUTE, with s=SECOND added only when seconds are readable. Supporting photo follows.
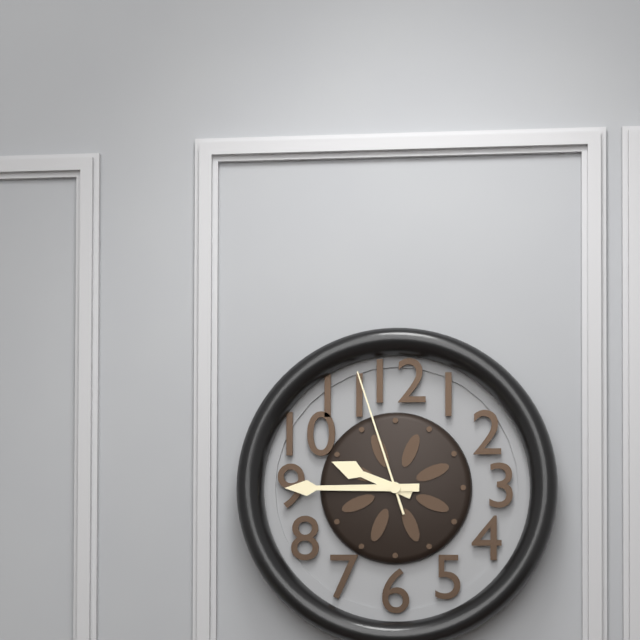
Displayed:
h=9 m=45 s=57
